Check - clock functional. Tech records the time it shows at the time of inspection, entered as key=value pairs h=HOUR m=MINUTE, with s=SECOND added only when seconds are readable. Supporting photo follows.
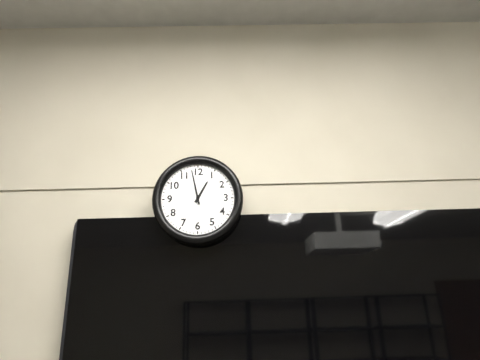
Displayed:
h=12 m=58
